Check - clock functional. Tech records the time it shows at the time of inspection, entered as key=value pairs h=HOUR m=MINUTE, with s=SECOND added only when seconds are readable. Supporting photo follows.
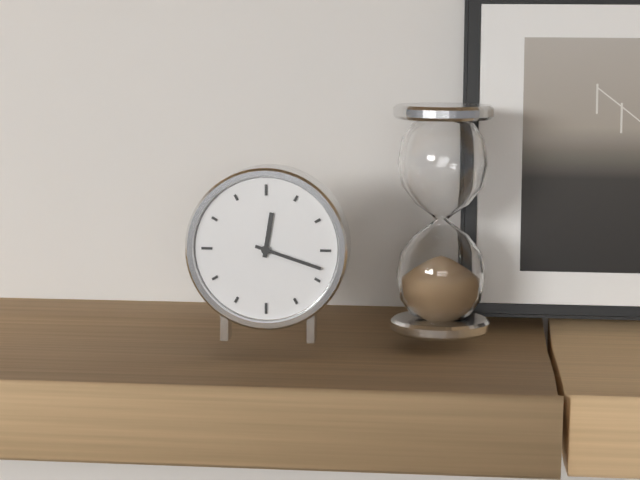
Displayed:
h=12 m=18
